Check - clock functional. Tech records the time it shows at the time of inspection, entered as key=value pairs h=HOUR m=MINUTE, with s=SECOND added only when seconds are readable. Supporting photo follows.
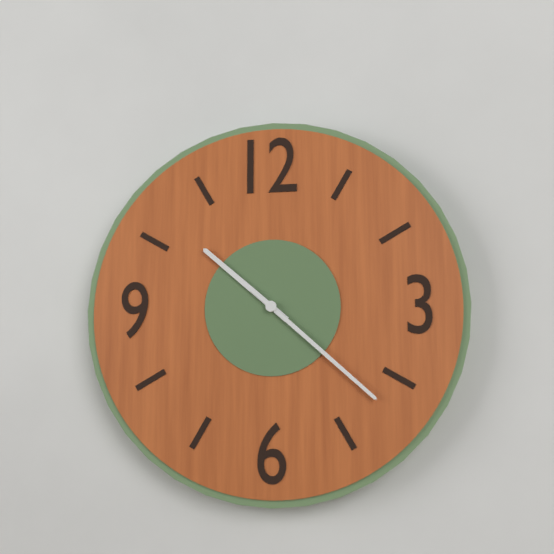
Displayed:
h=10 m=22
